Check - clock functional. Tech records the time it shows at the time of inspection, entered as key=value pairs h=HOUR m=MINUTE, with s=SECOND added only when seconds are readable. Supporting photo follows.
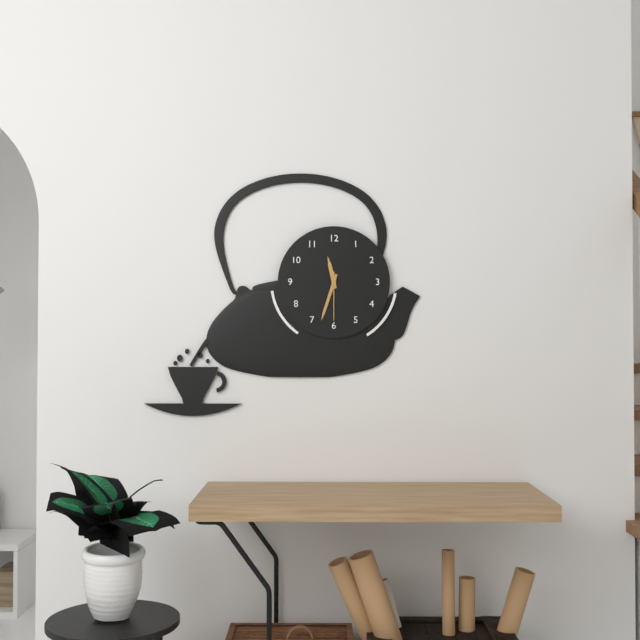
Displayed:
h=11 m=33
